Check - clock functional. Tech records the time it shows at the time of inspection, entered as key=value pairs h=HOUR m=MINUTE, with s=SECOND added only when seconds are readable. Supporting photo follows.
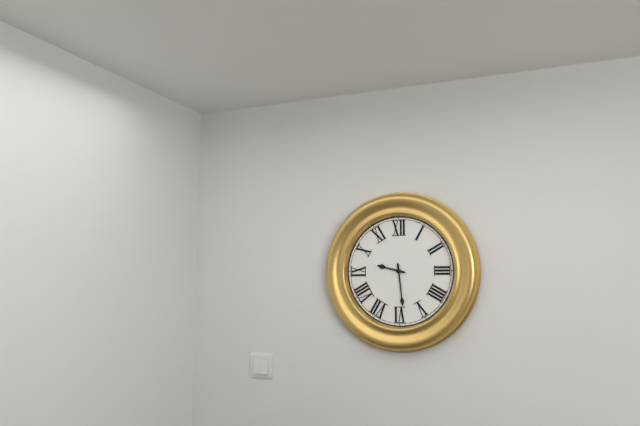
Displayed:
h=9 m=29
